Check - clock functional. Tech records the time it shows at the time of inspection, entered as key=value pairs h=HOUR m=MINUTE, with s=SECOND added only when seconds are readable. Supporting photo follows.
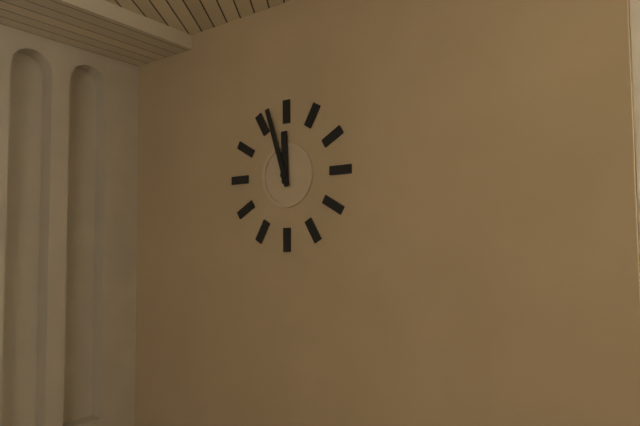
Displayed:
h=11 m=57
